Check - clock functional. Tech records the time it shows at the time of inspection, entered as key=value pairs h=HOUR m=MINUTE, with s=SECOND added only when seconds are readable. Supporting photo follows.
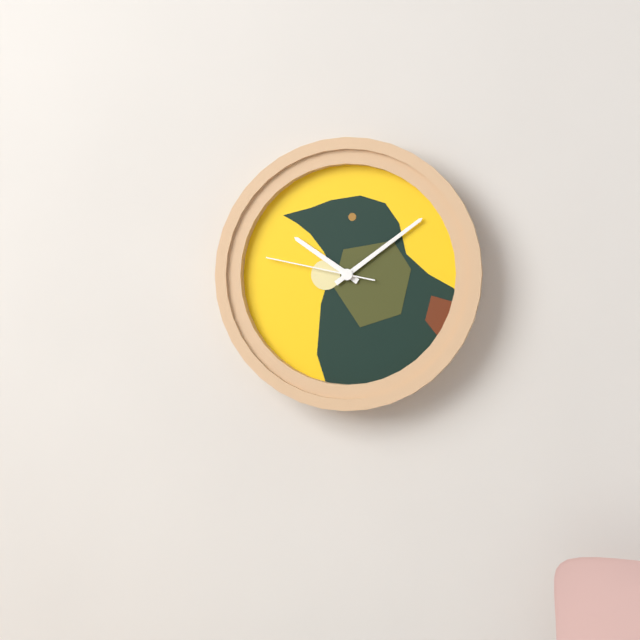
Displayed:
h=10 m=9 s=47
